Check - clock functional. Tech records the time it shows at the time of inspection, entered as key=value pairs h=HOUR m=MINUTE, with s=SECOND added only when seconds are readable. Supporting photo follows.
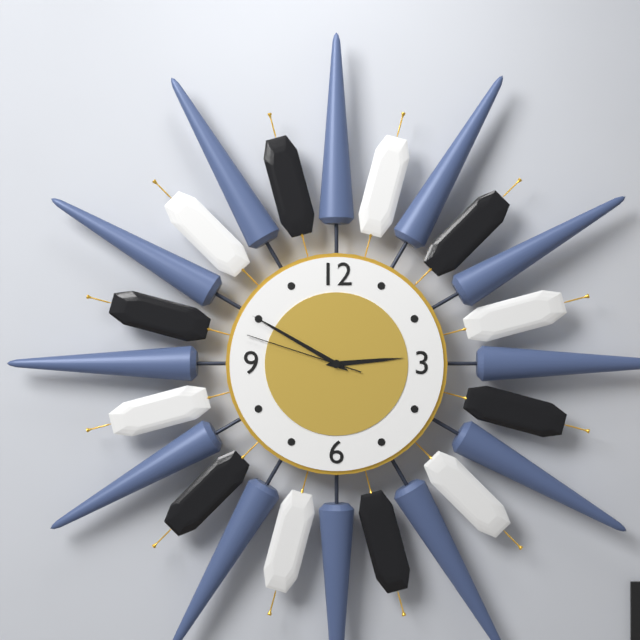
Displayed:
h=2 m=50 s=48
